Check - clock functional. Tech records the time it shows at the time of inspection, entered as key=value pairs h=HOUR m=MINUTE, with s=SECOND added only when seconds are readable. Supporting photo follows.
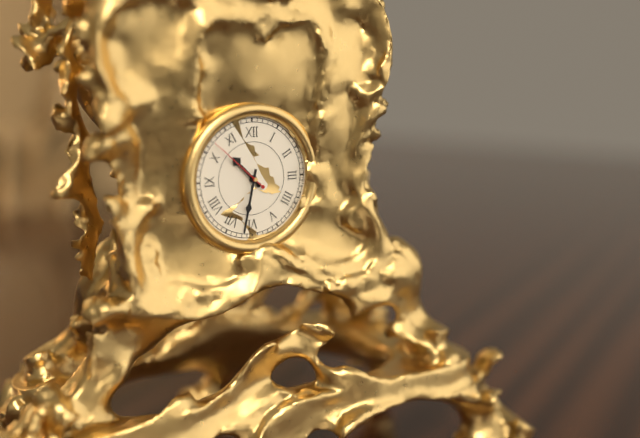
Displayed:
h=10 m=32 s=52
